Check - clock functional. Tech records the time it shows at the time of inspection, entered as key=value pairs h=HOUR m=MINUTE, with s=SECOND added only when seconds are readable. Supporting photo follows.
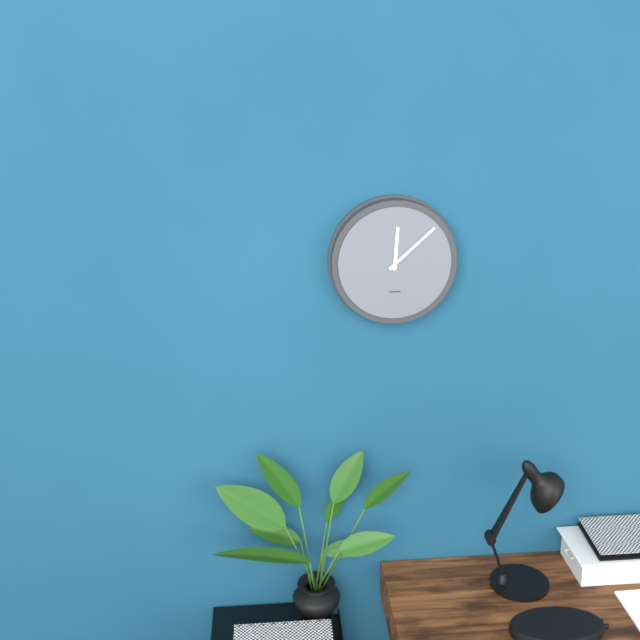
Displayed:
h=12 m=8
